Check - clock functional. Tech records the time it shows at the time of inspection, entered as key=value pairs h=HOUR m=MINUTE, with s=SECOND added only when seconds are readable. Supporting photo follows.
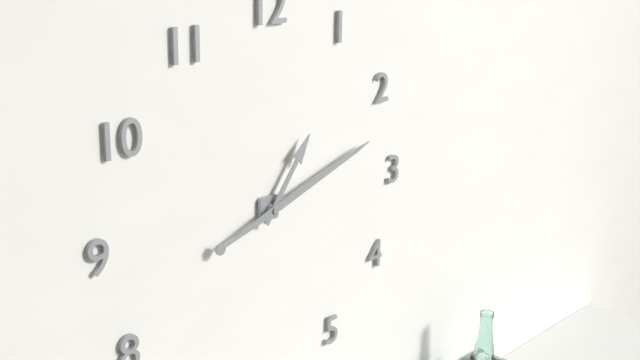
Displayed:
h=1 m=12
